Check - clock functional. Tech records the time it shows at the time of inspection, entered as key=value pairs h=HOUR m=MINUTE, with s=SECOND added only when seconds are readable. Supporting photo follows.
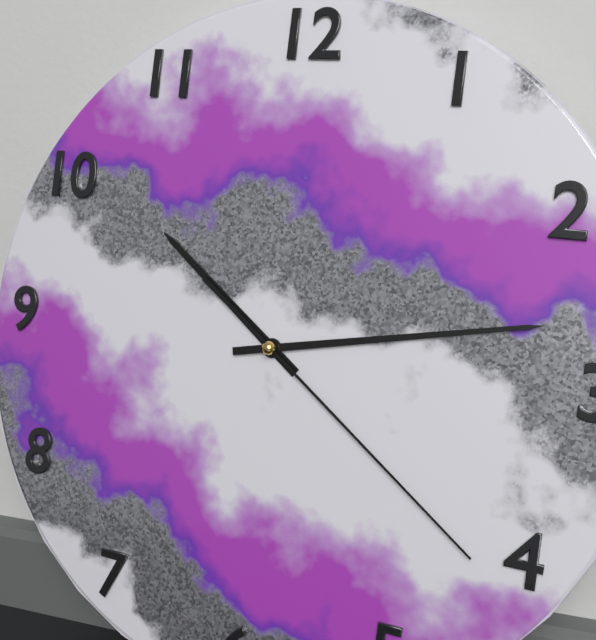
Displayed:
h=10 m=13 s=21
